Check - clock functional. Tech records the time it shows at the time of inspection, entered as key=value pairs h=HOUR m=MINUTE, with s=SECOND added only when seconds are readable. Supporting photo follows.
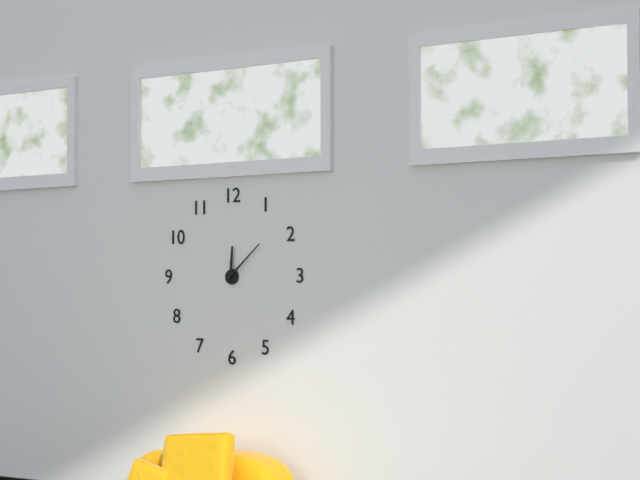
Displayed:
h=12 m=8
